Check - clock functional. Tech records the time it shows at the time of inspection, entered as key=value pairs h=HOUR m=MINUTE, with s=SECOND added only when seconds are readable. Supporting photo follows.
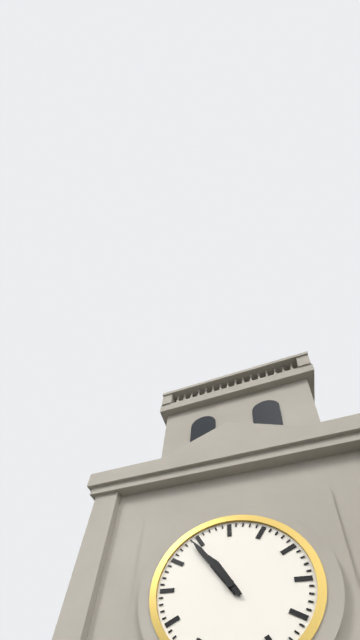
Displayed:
h=10 m=54
